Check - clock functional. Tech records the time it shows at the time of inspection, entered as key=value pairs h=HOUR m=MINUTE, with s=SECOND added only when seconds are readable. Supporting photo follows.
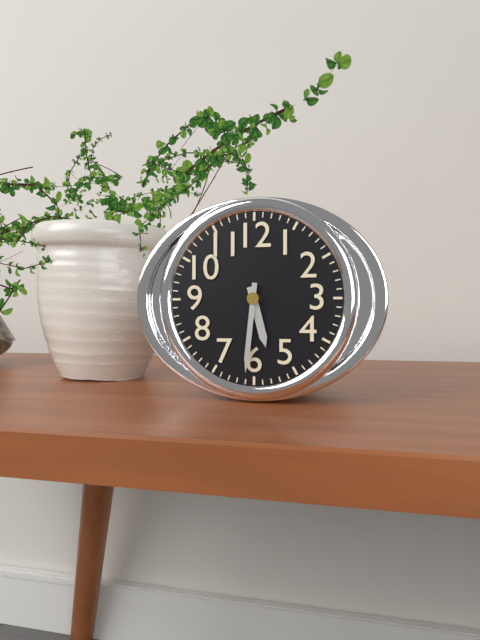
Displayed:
h=5 m=31
